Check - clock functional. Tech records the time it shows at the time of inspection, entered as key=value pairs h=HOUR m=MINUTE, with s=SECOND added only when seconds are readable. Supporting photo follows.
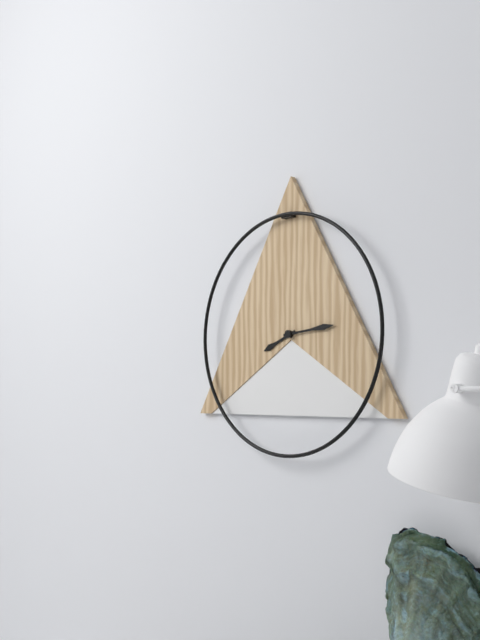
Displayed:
h=8 m=14
